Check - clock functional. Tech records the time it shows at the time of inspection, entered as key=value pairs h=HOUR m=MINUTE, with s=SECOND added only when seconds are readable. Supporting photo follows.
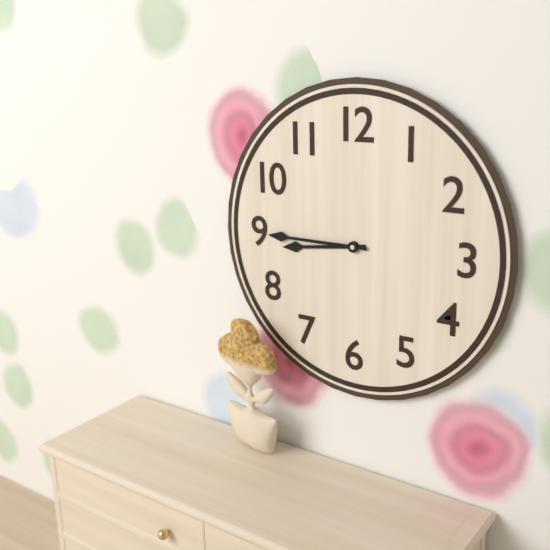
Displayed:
h=8 m=45
